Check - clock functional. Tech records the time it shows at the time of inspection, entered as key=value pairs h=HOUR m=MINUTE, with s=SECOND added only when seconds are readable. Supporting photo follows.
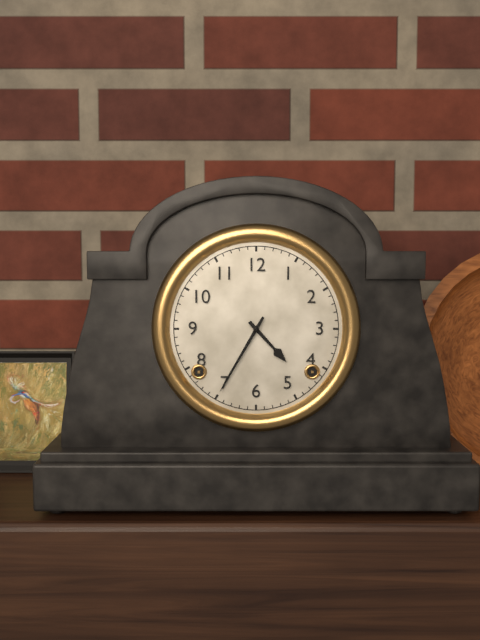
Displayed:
h=4 m=35
